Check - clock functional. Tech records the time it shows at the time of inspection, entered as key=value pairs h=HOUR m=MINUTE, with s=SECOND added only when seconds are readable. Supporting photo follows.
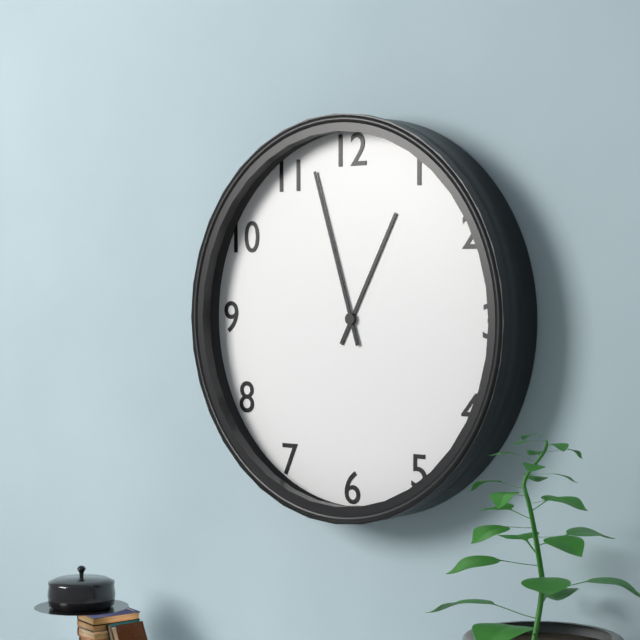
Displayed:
h=12 m=57
